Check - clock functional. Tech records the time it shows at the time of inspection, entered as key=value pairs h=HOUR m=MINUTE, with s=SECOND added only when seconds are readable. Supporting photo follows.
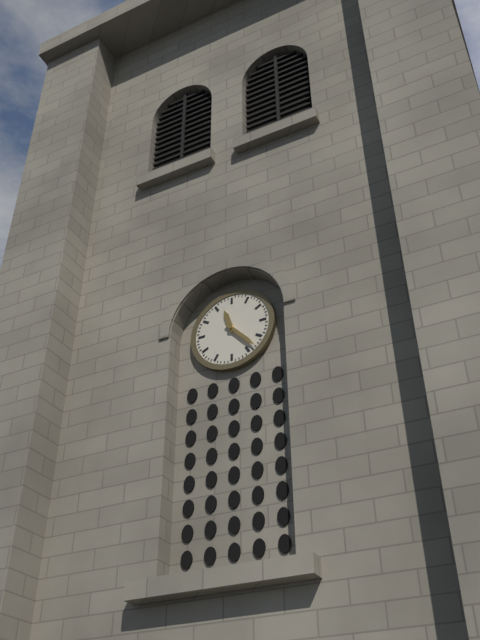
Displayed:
h=11 m=23
